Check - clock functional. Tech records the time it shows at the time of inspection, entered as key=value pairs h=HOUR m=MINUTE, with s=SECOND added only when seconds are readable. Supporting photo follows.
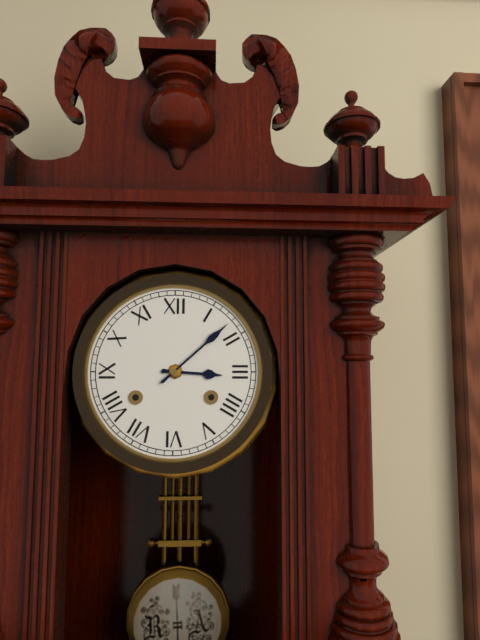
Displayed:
h=3 m=8
